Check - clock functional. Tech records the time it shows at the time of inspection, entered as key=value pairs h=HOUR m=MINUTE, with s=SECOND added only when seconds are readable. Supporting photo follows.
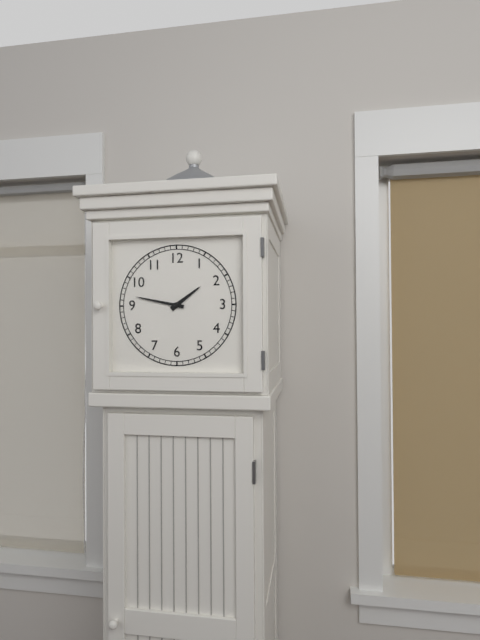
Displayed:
h=1 m=47
